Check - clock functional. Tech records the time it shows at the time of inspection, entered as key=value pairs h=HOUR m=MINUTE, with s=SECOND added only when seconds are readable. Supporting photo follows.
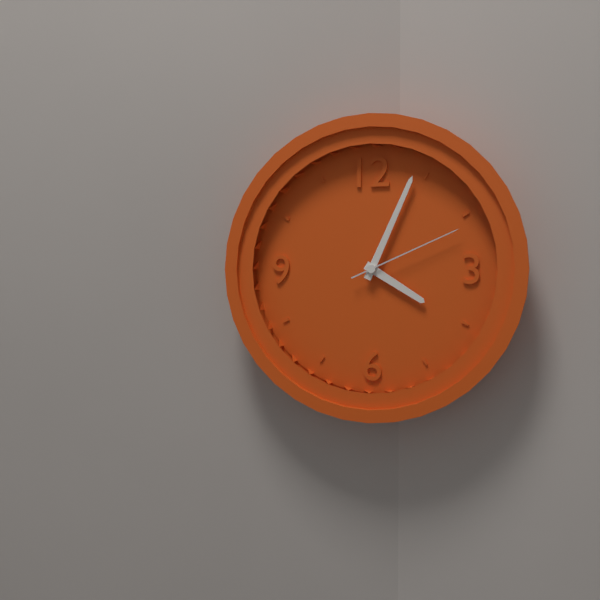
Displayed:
h=4 m=4 s=11
